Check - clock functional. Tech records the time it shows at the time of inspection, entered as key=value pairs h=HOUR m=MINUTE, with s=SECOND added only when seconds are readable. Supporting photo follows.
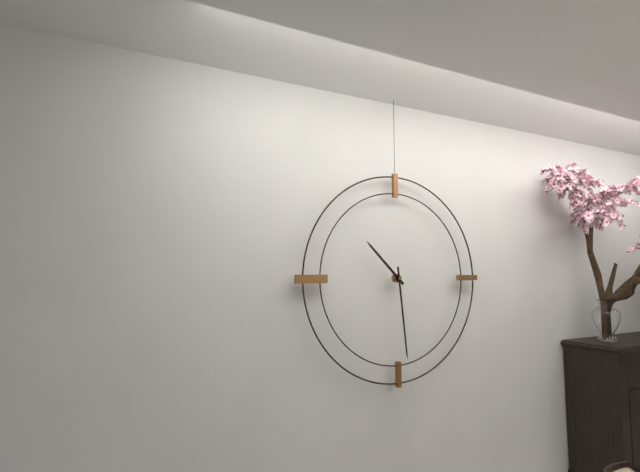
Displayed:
h=10 m=29
